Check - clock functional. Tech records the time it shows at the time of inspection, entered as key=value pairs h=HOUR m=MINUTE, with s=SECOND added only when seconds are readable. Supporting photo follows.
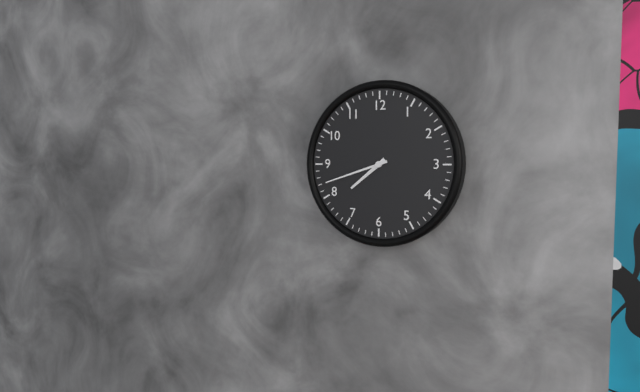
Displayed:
h=7 m=42
